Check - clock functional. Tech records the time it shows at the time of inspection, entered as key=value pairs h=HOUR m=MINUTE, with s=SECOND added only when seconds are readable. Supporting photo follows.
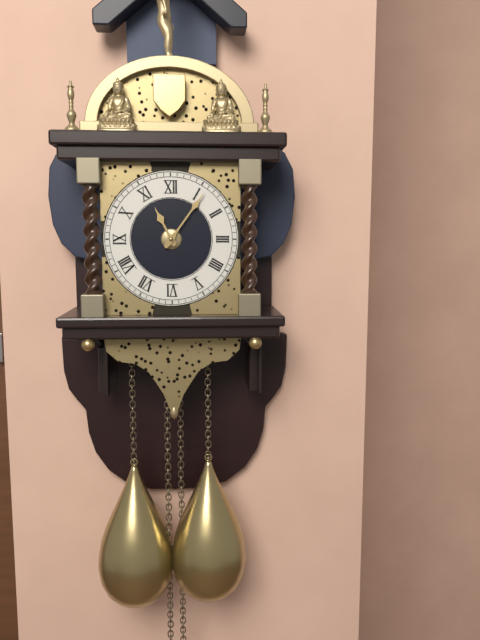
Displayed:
h=11 m=6
